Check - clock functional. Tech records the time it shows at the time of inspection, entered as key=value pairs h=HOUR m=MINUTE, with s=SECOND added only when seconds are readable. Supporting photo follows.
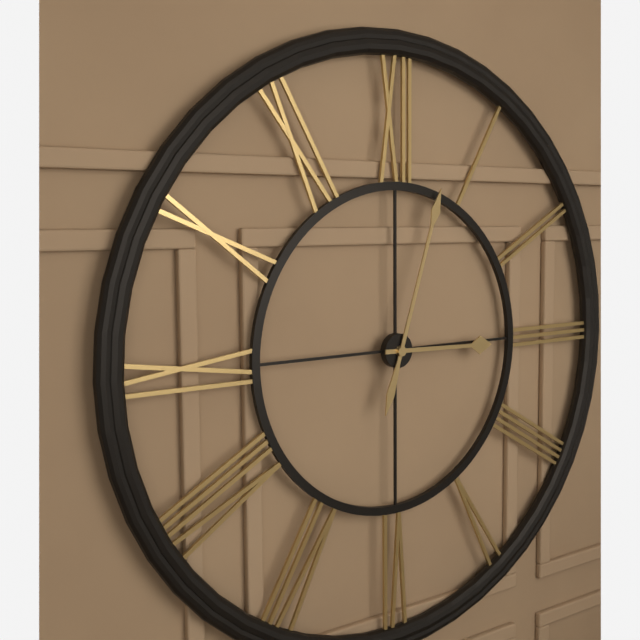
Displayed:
h=3 m=3
